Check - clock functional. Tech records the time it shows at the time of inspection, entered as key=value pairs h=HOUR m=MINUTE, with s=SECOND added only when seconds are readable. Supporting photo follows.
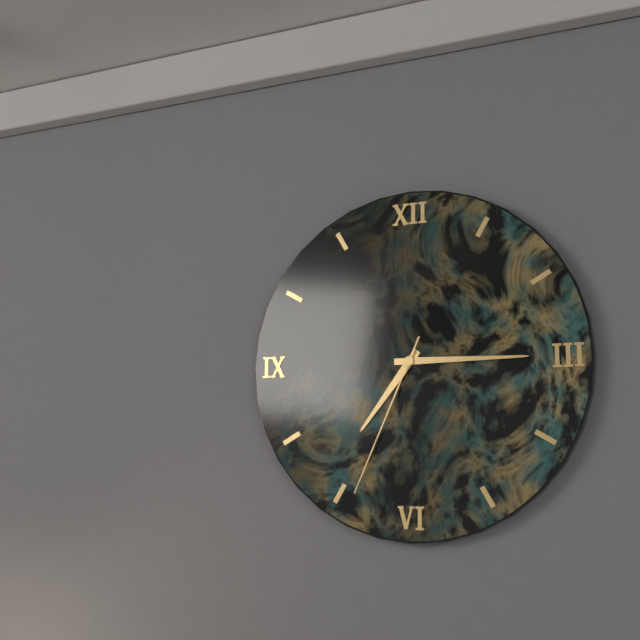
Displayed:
h=7 m=15 s=34
